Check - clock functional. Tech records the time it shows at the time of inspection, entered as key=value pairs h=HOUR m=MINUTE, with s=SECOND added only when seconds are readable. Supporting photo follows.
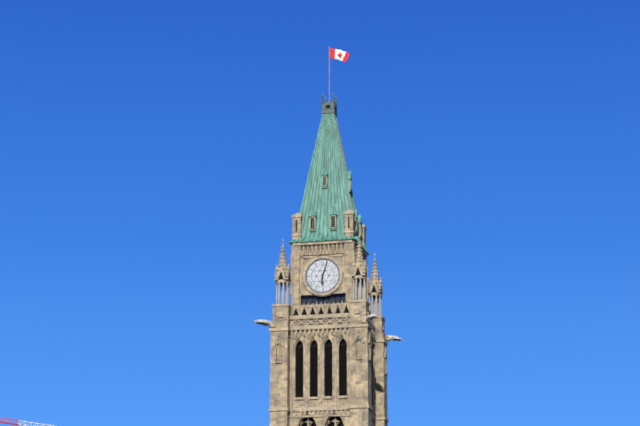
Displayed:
h=6 m=3
